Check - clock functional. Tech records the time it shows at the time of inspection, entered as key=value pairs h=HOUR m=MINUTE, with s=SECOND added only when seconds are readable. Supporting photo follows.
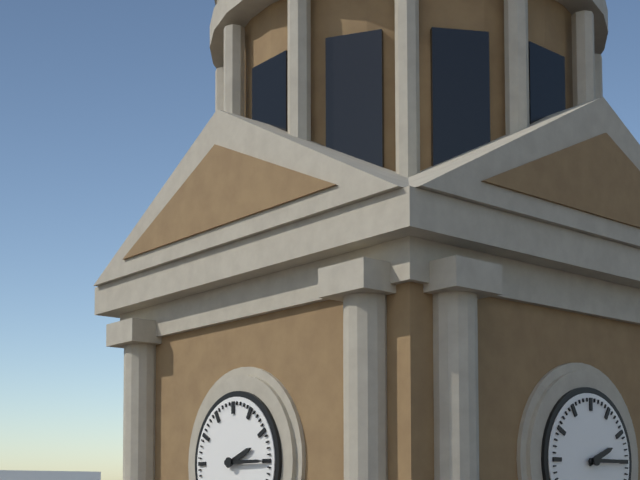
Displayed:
h=2 m=15
